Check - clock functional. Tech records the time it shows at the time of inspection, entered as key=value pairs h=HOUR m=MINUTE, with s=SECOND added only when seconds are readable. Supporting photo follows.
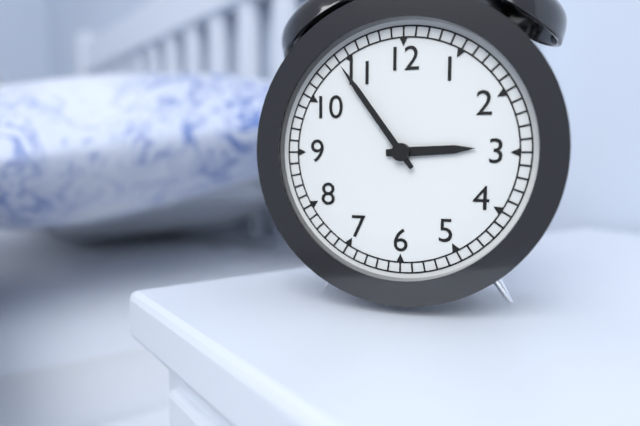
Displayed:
h=2 m=54
